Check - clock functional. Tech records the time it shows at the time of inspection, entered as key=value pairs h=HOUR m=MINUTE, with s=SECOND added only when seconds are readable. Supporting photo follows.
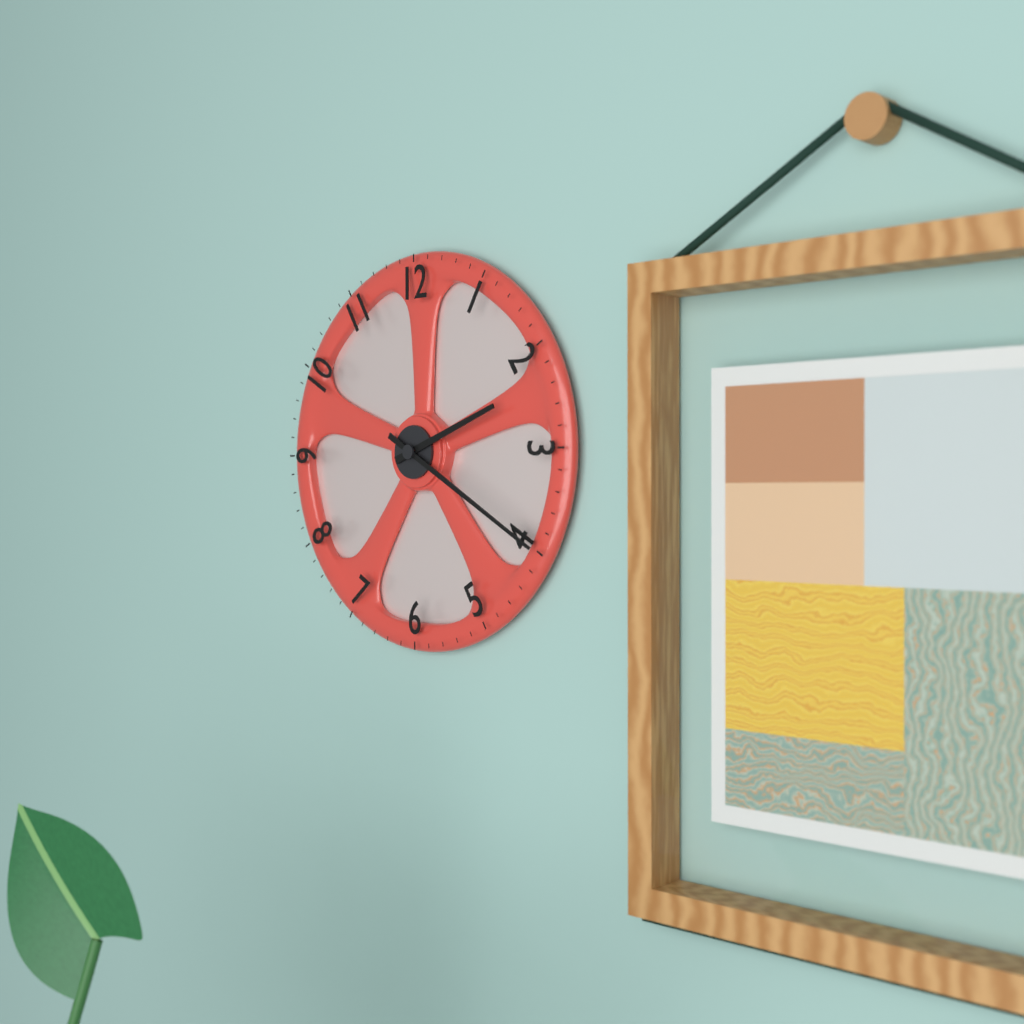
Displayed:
h=2 m=20
